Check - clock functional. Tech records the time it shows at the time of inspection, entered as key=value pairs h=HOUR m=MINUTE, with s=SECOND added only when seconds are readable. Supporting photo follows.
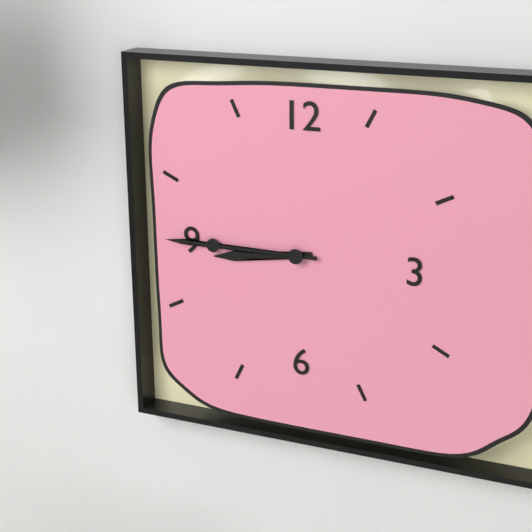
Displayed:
h=8 m=45
